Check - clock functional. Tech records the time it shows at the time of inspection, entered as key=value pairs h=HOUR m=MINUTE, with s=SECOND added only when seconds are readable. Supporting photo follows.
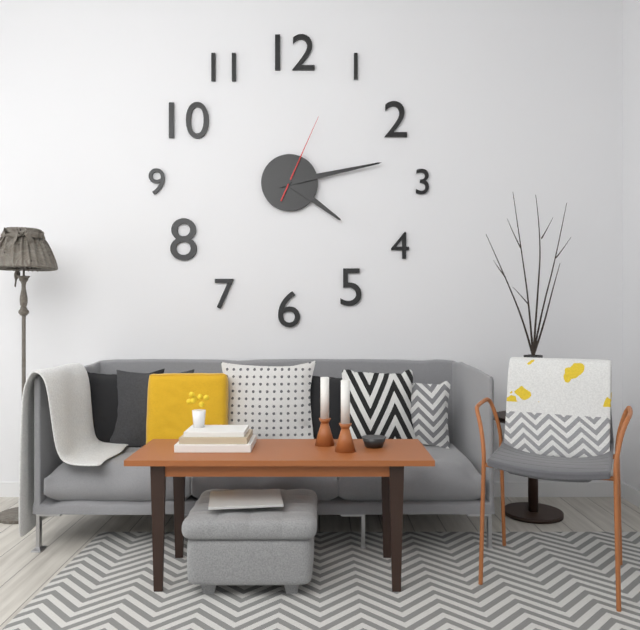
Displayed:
h=4 m=13 s=4
